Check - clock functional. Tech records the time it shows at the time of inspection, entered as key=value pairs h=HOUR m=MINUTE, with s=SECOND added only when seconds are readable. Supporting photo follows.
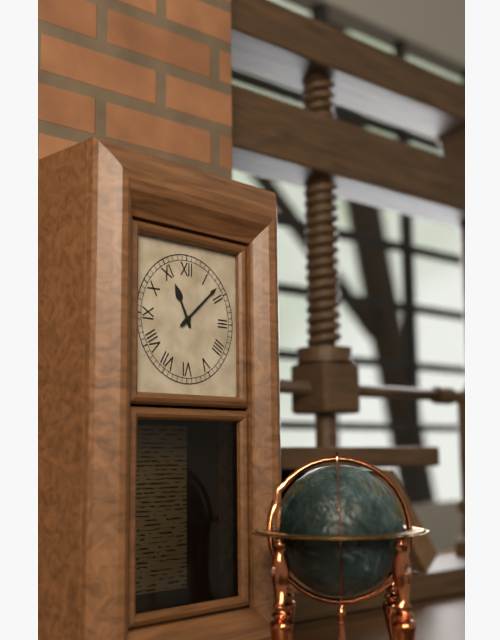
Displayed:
h=11 m=8
